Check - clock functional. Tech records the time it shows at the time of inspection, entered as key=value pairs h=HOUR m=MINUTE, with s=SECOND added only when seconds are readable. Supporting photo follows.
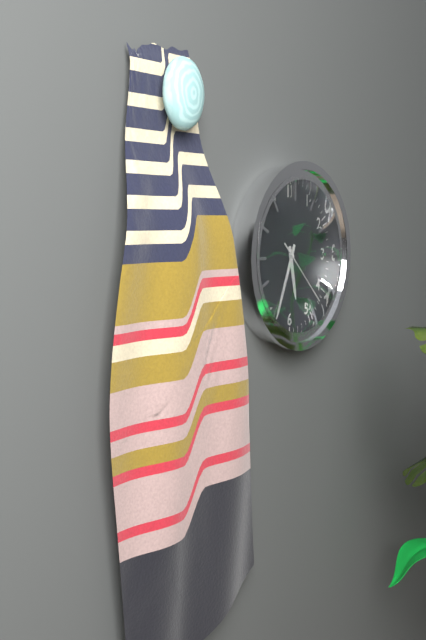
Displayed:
h=5 m=34 s=22
